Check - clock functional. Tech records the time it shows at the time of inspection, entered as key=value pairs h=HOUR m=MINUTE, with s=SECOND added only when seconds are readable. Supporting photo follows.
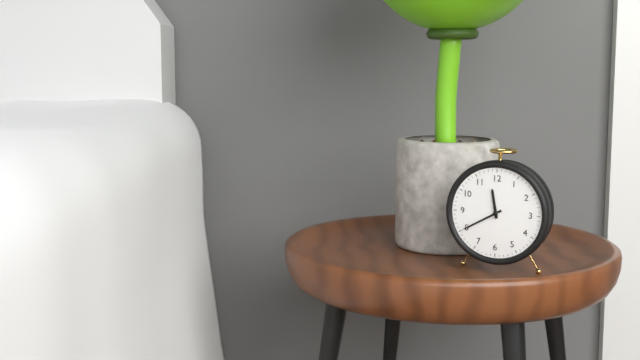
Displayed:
h=11 m=40
